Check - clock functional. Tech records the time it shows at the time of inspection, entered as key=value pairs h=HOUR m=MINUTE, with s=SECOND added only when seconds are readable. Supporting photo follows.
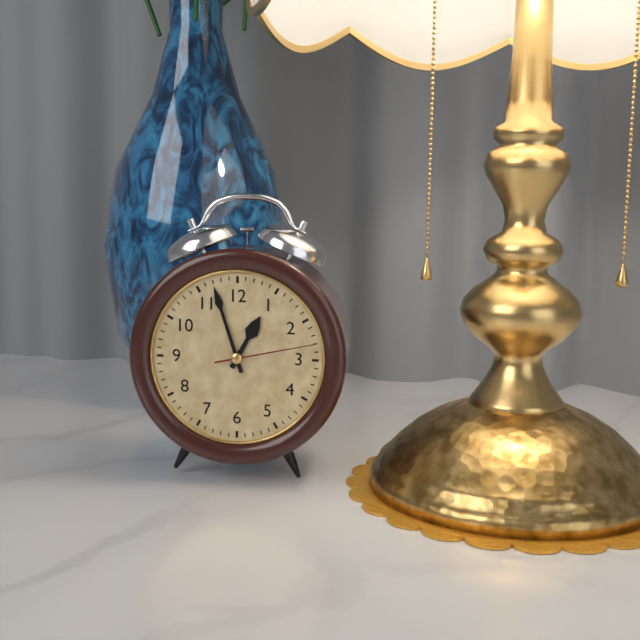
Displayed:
h=12 m=57 s=13
